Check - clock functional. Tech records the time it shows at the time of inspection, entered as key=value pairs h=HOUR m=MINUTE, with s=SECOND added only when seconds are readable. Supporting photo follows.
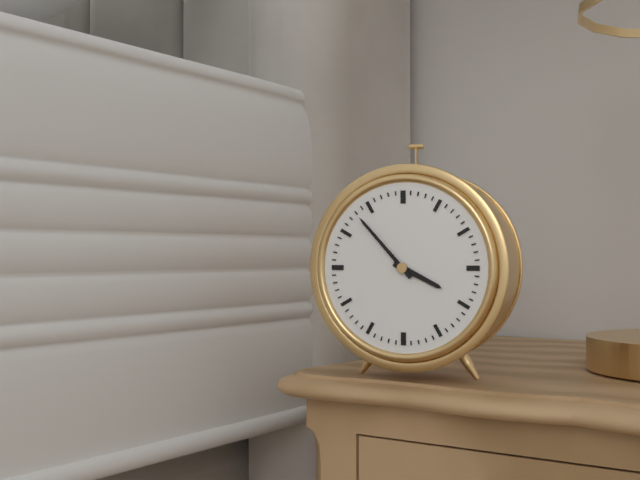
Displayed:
h=3 m=53
